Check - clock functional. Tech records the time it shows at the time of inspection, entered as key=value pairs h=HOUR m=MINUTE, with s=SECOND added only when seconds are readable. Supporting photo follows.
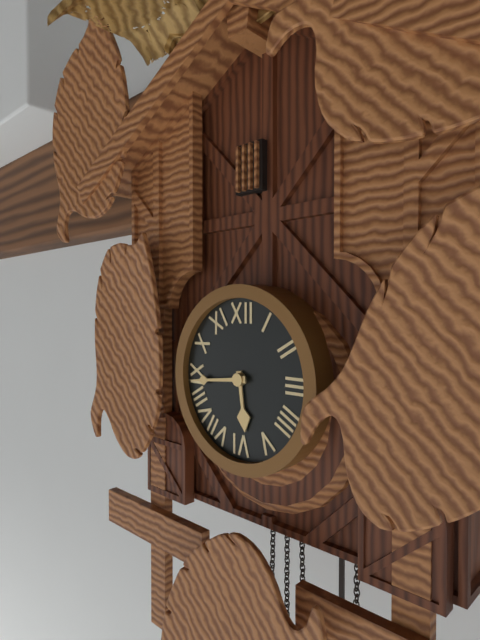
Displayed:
h=5 m=44
